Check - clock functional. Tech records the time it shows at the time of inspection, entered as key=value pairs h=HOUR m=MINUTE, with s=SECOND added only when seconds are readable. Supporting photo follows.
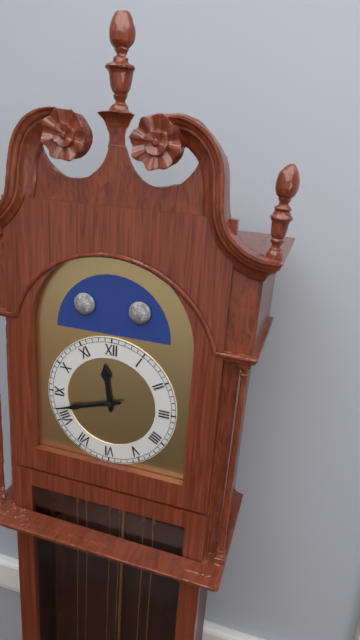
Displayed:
h=11 m=42
